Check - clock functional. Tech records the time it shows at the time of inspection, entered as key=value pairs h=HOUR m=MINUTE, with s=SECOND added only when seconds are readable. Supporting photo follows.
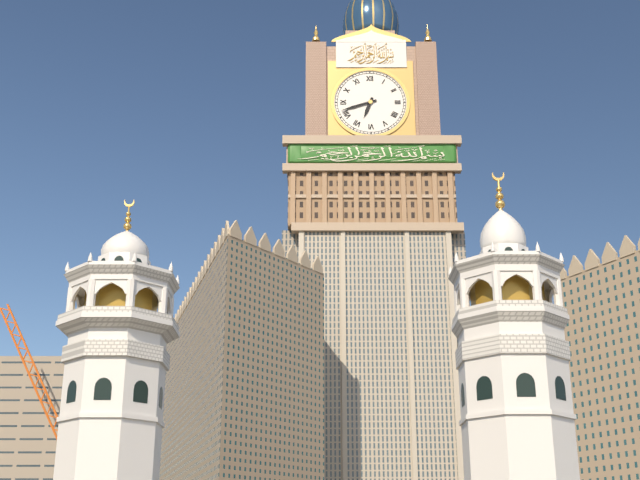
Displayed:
h=6 m=42
